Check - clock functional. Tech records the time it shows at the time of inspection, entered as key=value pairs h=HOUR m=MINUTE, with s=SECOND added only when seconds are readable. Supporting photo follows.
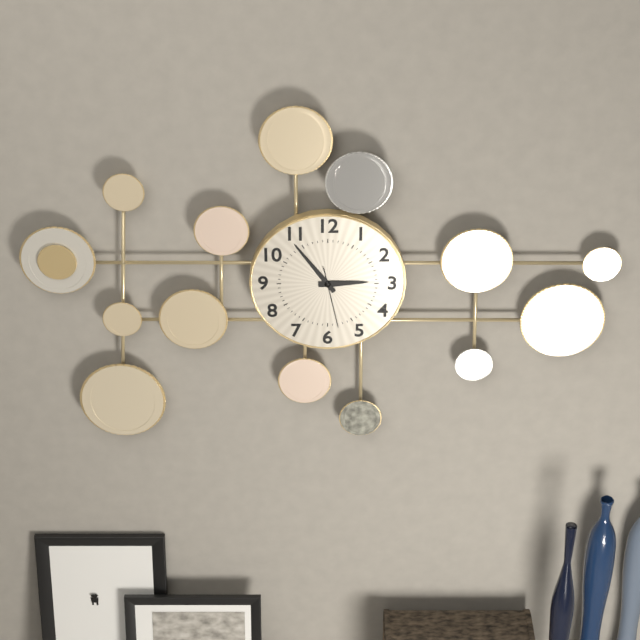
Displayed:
h=2 m=54 s=28
